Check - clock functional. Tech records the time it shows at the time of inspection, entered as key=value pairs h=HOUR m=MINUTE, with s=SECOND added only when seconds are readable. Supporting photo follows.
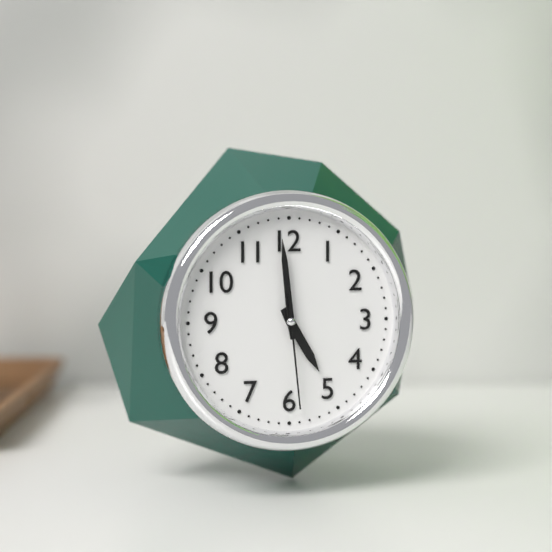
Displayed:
h=4 m=59 s=29
